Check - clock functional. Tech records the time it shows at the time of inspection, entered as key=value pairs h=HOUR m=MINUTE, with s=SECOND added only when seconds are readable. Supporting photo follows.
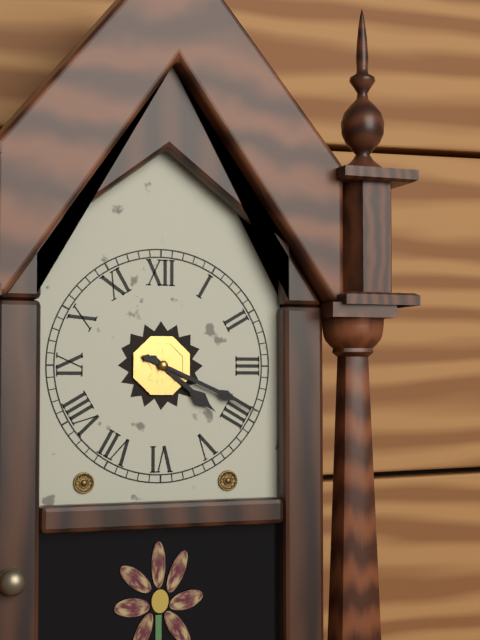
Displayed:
h=4 m=19
